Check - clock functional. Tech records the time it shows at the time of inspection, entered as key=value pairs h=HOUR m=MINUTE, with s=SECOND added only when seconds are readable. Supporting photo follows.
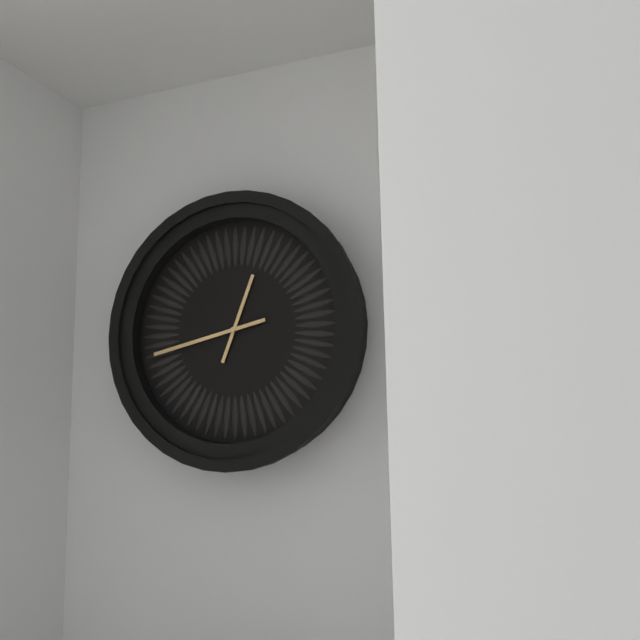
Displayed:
h=12 m=43
